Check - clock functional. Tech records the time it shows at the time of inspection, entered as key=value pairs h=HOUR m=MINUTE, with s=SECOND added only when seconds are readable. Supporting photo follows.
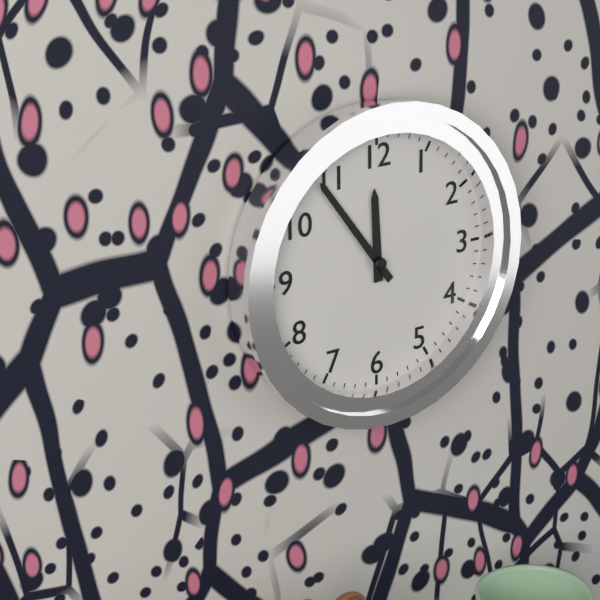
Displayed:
h=11 m=54
